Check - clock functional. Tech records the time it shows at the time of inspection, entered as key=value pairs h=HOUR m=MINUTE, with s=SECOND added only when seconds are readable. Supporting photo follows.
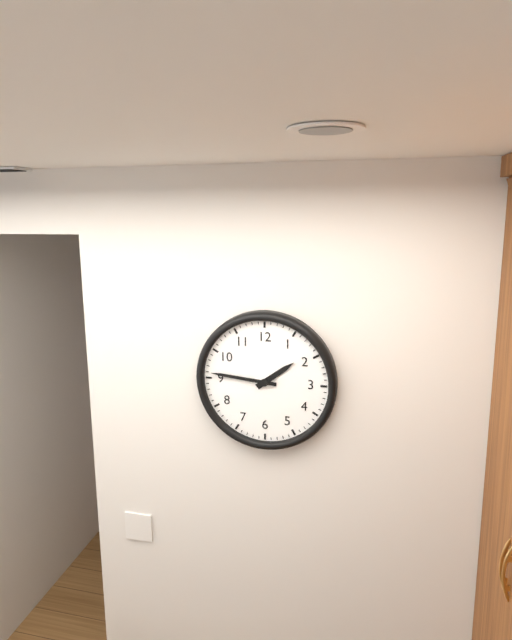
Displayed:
h=1 m=46
